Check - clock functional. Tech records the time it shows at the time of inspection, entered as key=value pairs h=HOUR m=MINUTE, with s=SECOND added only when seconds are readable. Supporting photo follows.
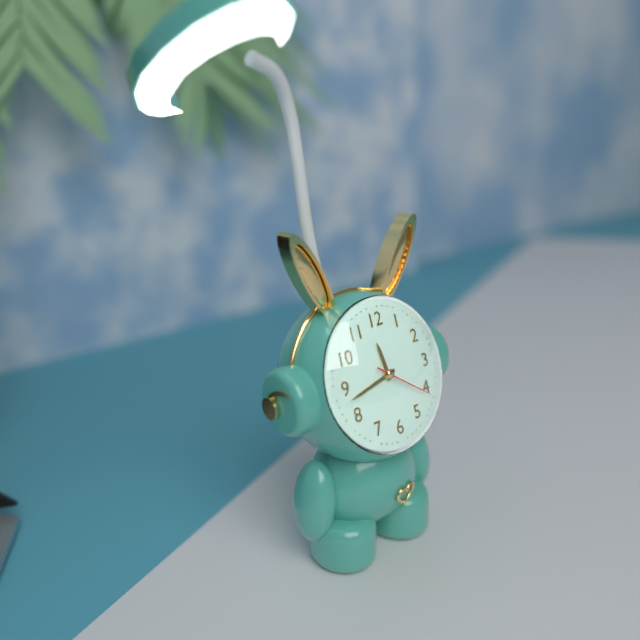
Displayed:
h=11 m=43 s=21
